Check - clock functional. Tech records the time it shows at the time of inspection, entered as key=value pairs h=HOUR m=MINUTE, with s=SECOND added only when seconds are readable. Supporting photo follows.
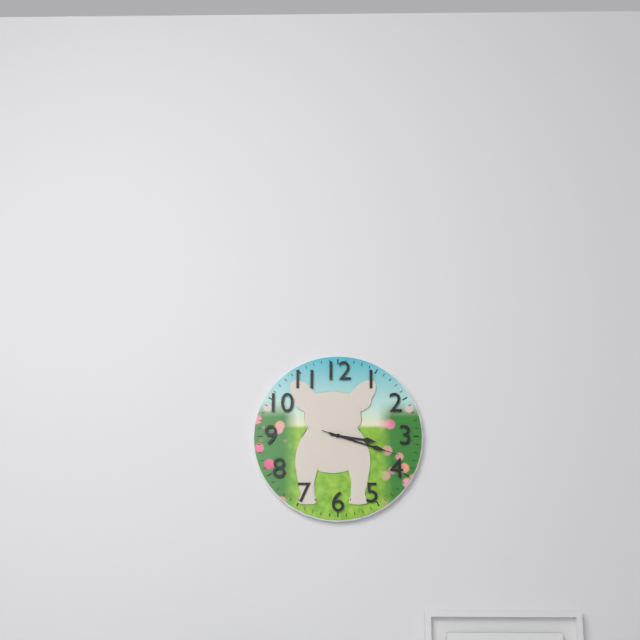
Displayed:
h=3 m=18 s=18
